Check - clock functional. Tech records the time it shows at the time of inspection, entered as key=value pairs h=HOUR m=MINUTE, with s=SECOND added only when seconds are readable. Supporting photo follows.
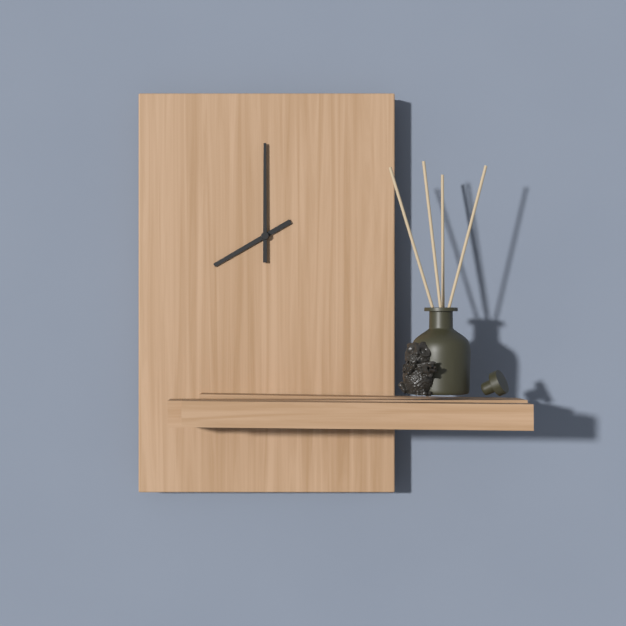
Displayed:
h=8 m=0
